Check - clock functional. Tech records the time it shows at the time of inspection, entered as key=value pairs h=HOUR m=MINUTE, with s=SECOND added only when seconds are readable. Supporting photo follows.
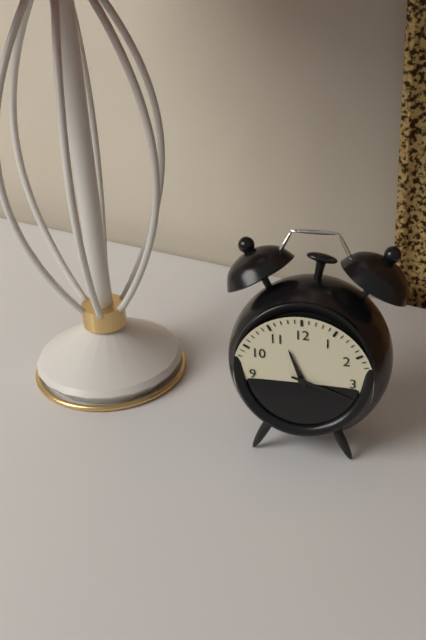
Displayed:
h=11 m=18
